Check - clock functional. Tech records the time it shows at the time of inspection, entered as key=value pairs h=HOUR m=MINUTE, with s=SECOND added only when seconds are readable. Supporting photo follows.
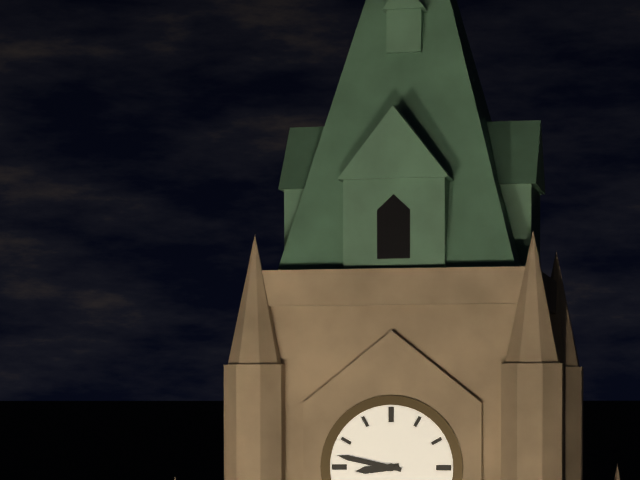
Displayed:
h=8 m=47
